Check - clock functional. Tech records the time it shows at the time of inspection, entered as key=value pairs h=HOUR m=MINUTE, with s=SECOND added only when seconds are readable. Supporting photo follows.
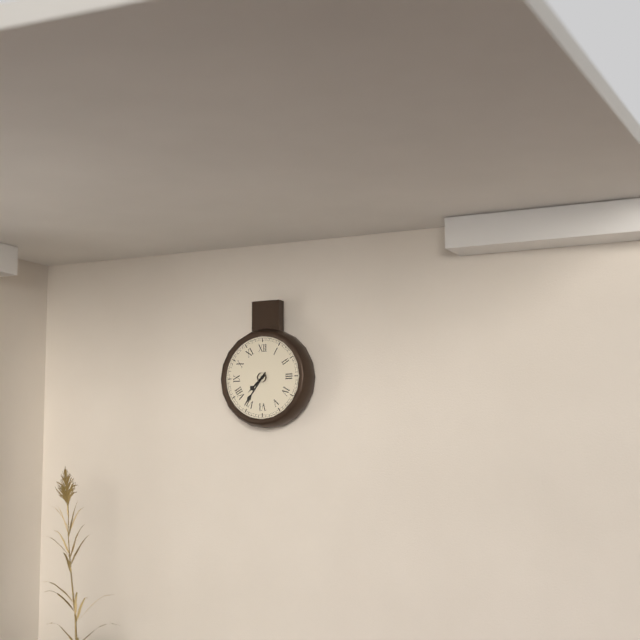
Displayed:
h=7 m=36
